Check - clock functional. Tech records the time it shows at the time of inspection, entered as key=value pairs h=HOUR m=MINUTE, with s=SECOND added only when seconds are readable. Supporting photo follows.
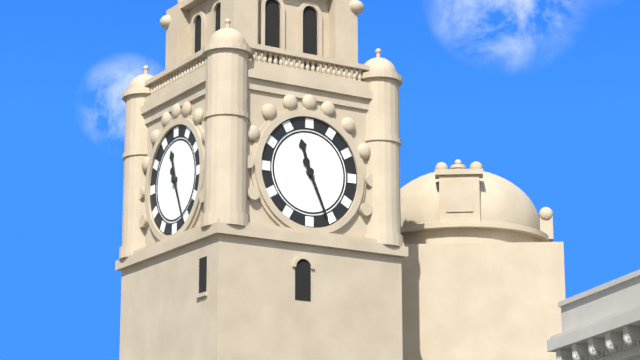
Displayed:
h=11 m=26
